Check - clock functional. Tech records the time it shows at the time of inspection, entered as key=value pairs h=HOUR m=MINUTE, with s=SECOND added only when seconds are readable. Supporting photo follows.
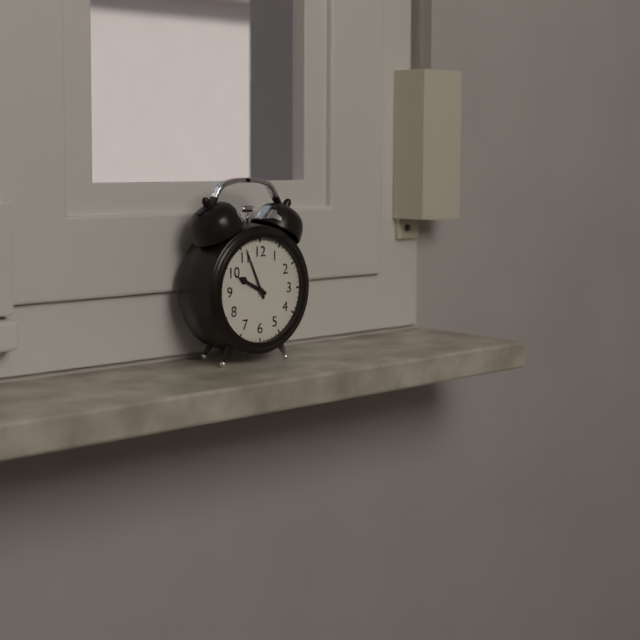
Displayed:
h=9 m=56
